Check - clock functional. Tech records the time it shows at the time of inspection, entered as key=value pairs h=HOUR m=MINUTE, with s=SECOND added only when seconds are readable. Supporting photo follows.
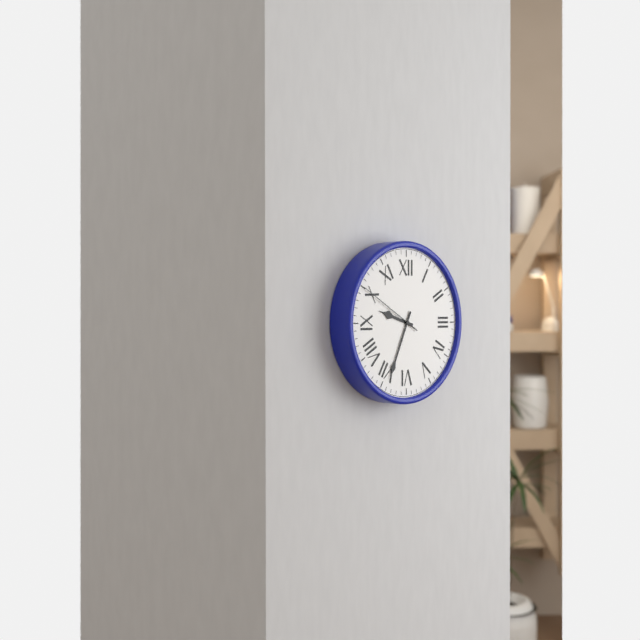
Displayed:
h=9 m=34 s=50
